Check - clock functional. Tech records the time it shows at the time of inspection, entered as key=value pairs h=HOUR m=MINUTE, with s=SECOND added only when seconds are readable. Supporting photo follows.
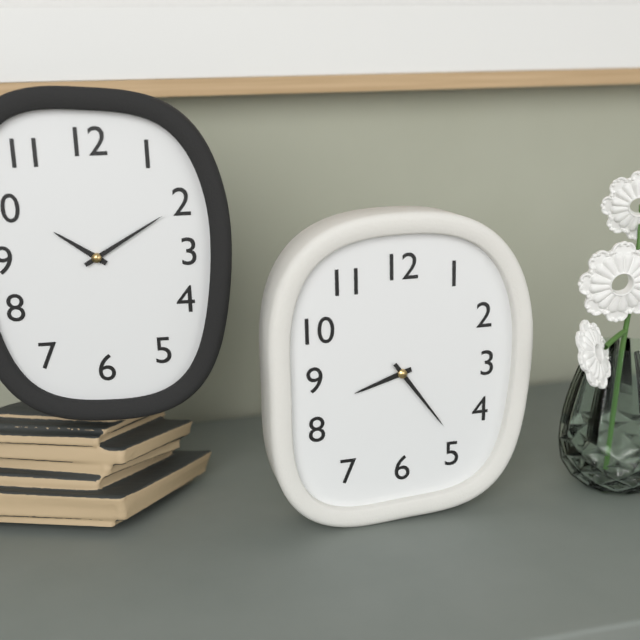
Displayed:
h=8 m=24
